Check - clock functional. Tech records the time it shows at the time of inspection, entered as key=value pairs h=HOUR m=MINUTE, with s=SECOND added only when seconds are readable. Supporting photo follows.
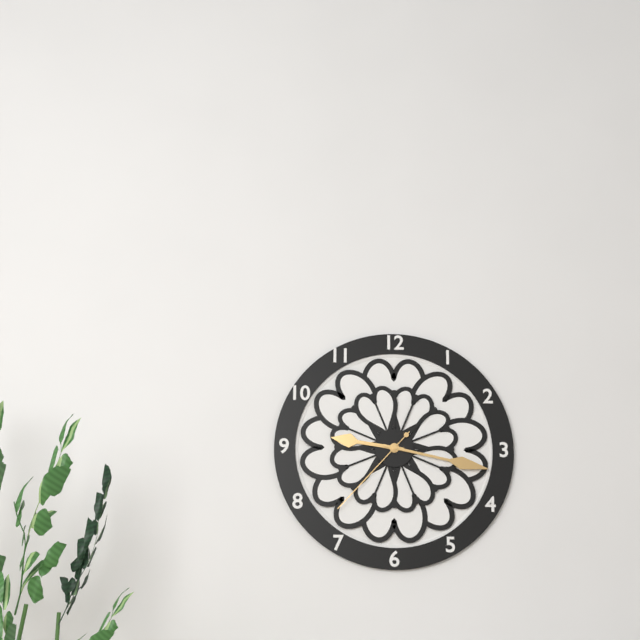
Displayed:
h=9 m=17 s=37
